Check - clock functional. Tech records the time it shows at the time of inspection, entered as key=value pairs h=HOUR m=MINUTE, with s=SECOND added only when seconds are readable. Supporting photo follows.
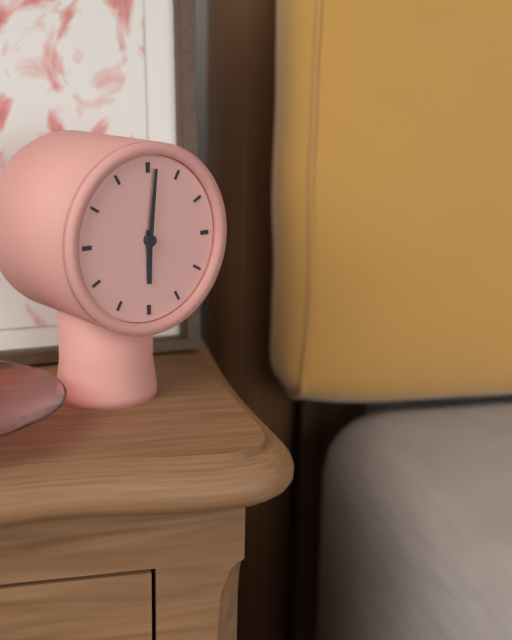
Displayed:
h=6 m=1
